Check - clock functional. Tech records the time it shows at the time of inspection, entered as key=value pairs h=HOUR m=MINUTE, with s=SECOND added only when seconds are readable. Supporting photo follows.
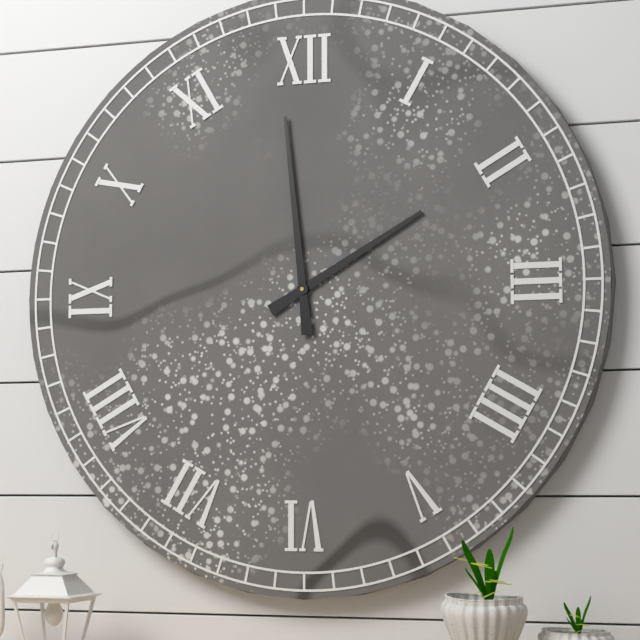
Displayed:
h=1 m=59
